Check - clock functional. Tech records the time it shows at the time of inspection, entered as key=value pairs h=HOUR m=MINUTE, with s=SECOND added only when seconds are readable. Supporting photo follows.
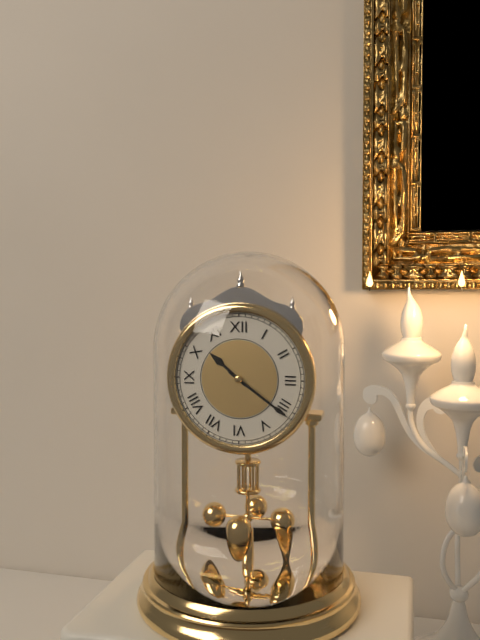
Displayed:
h=10 m=21
